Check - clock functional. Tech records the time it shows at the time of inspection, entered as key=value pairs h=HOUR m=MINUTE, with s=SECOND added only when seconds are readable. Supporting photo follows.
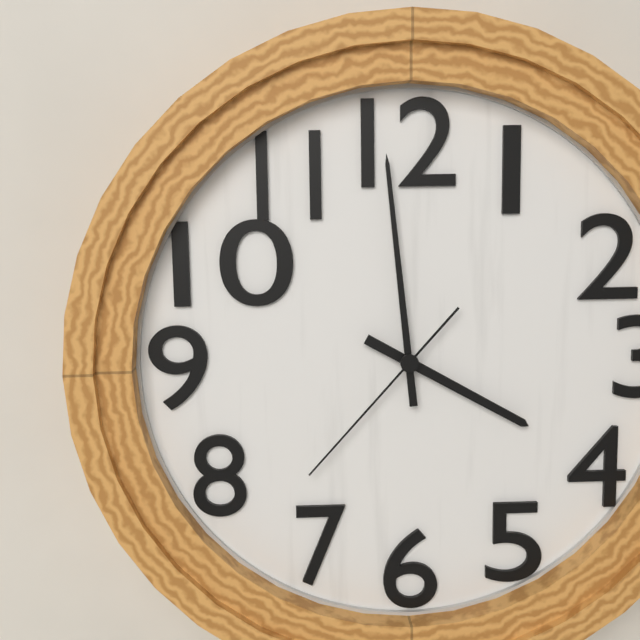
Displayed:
h=3 m=59 s=37
